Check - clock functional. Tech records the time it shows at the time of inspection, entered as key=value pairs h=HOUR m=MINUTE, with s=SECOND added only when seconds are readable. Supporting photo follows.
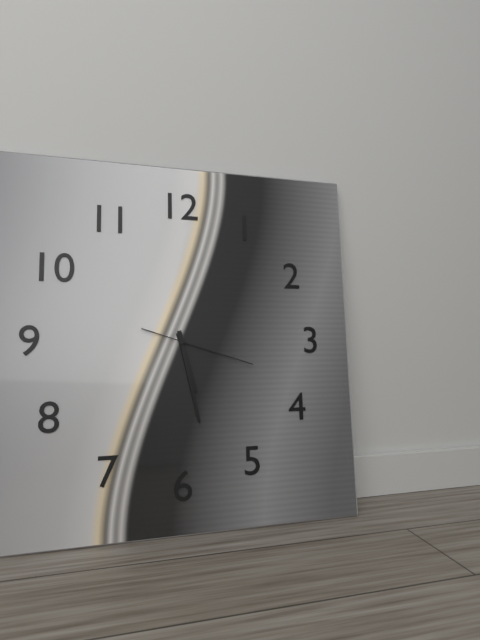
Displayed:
h=5 m=28 s=18
